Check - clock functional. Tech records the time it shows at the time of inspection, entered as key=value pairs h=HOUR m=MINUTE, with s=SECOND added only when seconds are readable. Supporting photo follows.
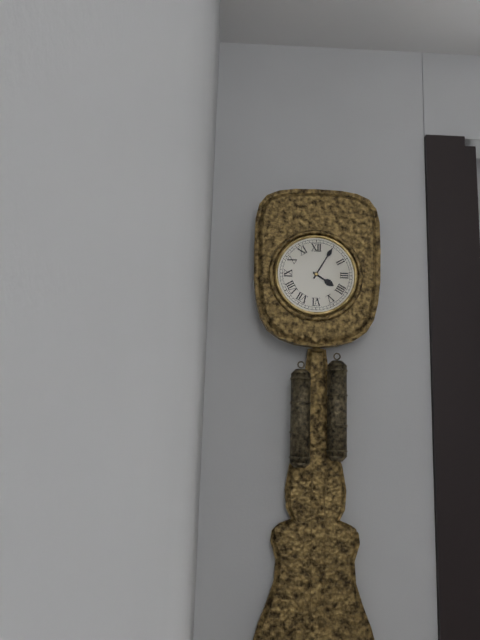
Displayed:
h=4 m=5
